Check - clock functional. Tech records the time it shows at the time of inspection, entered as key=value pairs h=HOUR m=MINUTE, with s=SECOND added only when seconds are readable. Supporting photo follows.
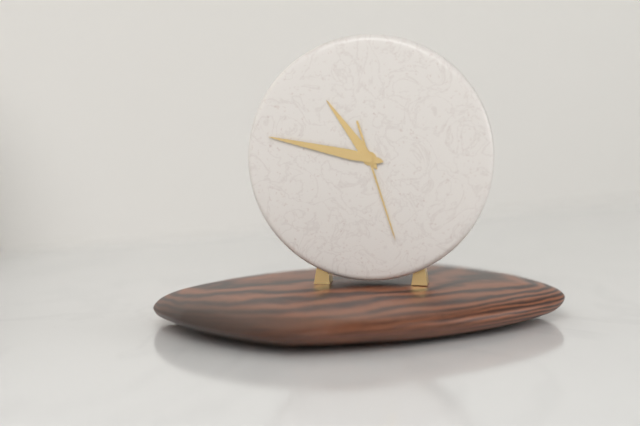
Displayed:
h=10 m=47 s=27
